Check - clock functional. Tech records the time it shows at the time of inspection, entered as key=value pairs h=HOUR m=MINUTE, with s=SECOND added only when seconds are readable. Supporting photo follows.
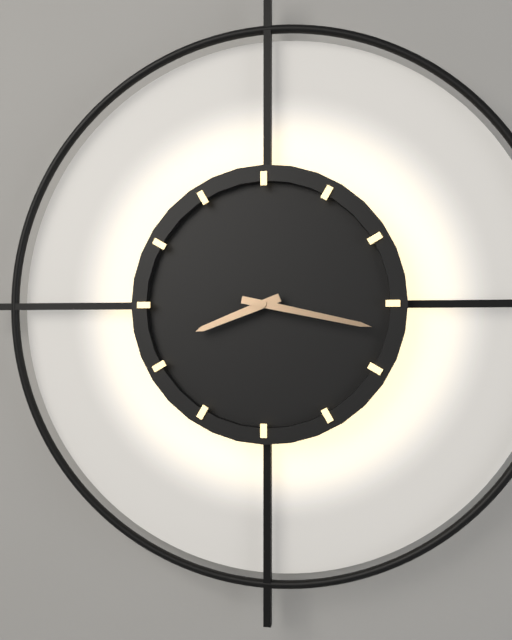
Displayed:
h=8 m=17
